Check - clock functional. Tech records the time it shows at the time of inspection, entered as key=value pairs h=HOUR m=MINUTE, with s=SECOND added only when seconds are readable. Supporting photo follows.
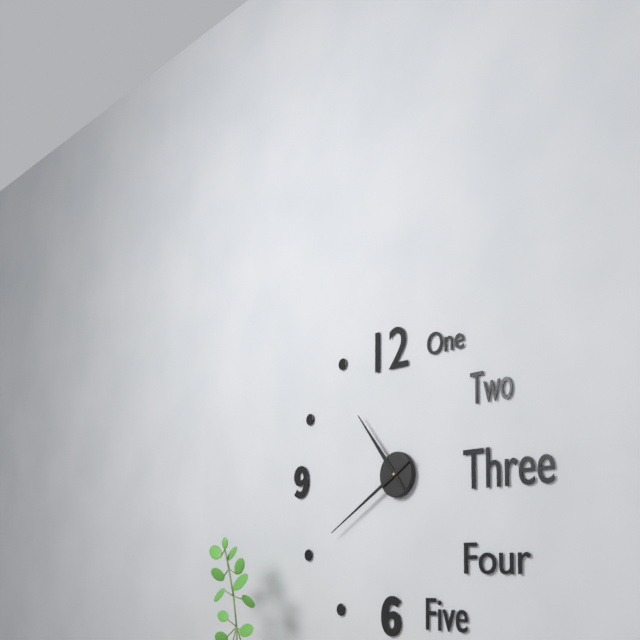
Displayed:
h=10 m=40
